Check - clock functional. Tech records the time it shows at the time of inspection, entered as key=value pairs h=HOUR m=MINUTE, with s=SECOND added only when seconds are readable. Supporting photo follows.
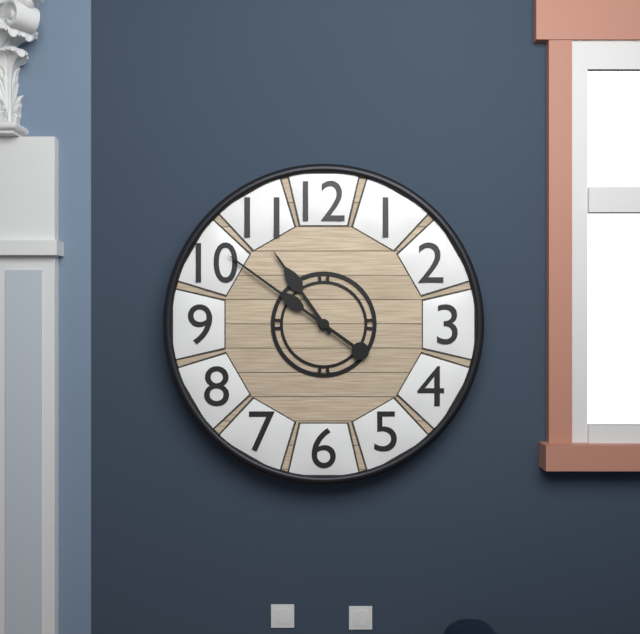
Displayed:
h=10 m=51
